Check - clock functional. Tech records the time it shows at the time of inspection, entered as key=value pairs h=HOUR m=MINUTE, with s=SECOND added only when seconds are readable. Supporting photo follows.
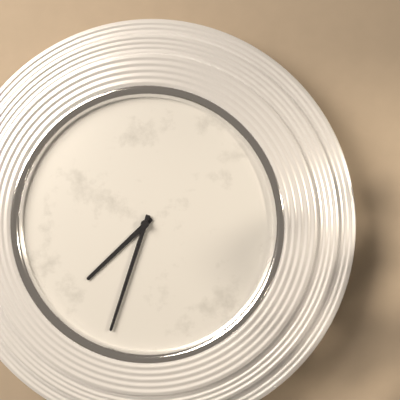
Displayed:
h=7 m=33
